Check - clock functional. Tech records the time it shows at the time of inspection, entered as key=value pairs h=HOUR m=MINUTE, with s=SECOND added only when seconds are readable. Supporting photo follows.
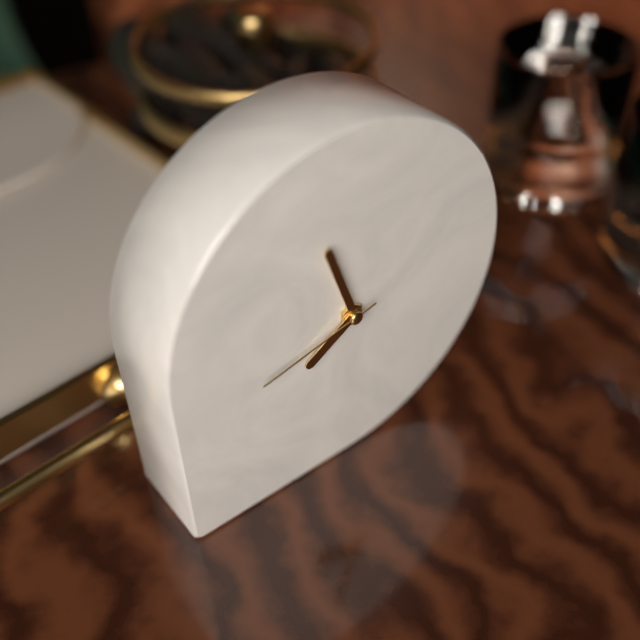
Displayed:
h=7 m=57 s=43
